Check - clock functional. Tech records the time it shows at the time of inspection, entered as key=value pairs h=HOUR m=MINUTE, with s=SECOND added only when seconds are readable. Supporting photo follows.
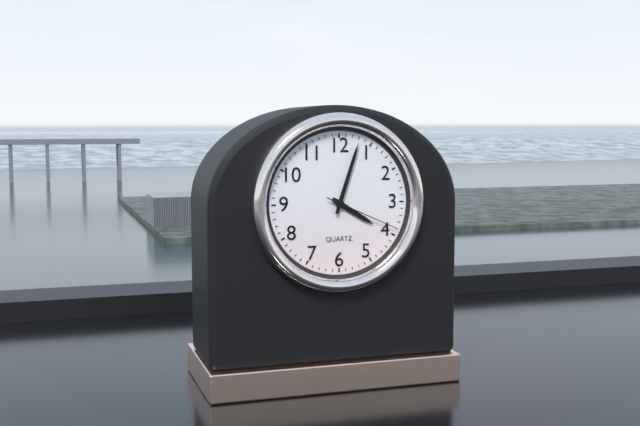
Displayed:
h=4 m=3 s=19
